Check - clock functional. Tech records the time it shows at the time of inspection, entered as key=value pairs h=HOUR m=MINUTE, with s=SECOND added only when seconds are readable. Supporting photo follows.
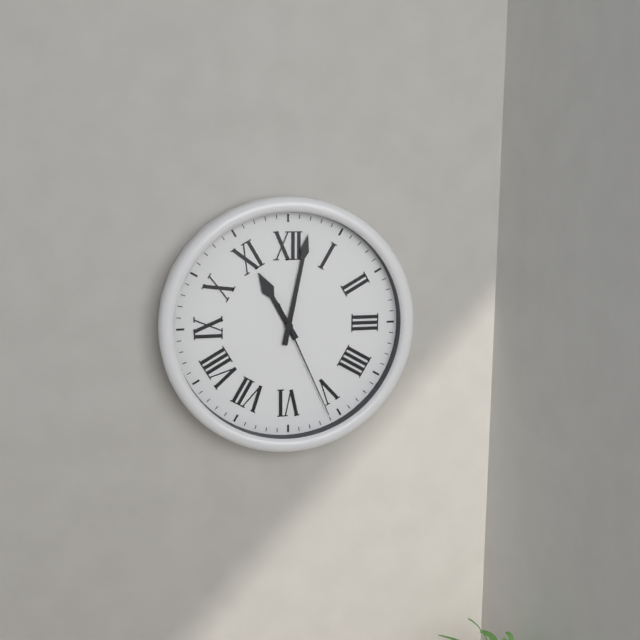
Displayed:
h=11 m=2 s=26
